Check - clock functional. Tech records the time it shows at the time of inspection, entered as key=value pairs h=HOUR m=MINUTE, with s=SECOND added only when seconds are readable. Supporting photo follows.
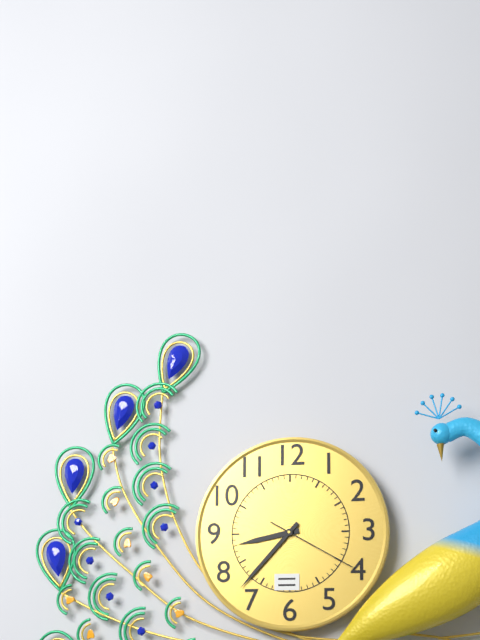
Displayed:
h=8 m=37 s=20
